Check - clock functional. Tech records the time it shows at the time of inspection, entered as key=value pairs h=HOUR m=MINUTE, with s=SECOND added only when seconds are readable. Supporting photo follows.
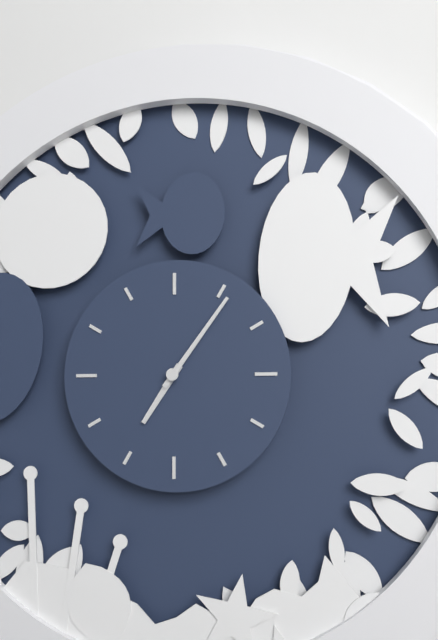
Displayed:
h=7 m=6
